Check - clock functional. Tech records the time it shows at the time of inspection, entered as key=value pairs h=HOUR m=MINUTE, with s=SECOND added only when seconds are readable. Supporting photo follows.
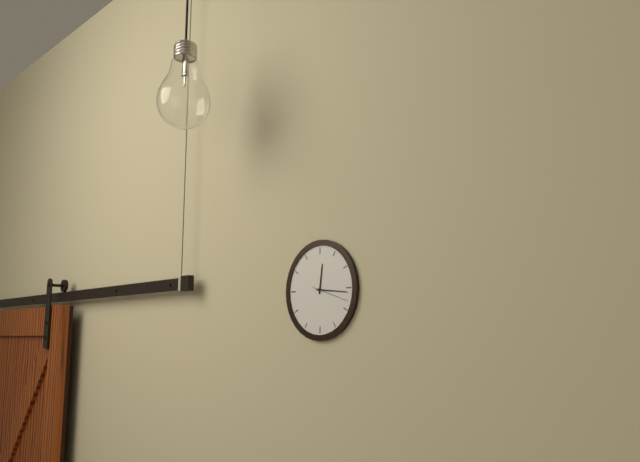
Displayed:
h=12 m=16
